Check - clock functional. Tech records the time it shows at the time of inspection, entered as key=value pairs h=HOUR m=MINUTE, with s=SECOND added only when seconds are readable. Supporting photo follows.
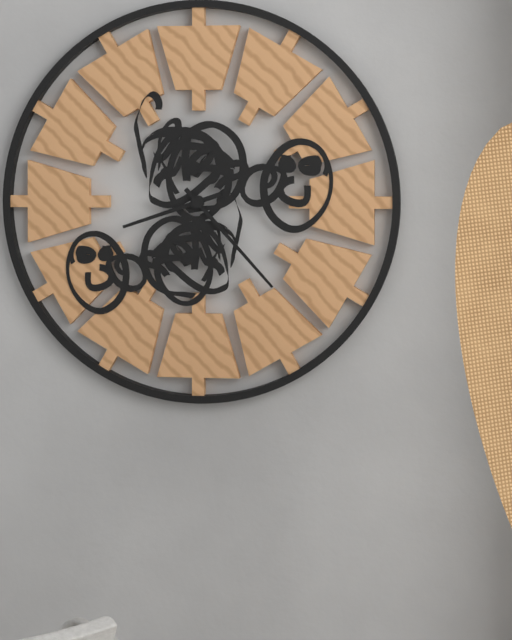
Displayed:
h=8 m=23
